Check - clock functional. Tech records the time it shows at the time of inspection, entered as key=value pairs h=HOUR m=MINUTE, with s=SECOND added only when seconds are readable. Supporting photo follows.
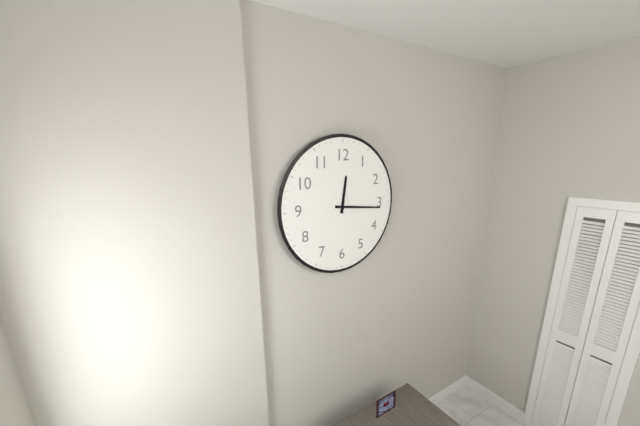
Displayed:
h=12 m=16
